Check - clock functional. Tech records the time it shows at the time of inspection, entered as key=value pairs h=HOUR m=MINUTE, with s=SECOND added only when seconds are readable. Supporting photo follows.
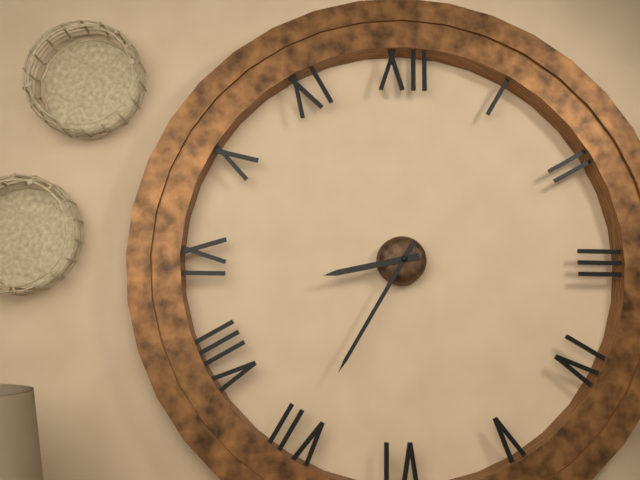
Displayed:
h=8 m=35
